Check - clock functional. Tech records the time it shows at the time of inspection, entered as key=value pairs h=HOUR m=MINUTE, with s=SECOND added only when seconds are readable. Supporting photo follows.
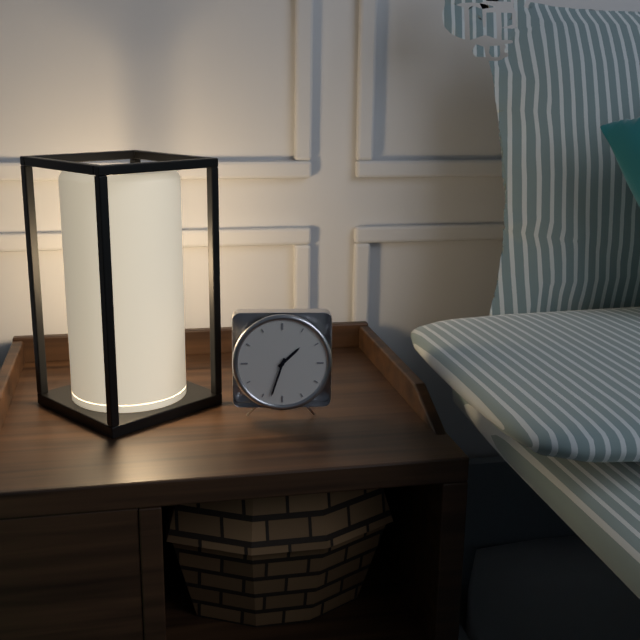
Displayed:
h=1 m=33
